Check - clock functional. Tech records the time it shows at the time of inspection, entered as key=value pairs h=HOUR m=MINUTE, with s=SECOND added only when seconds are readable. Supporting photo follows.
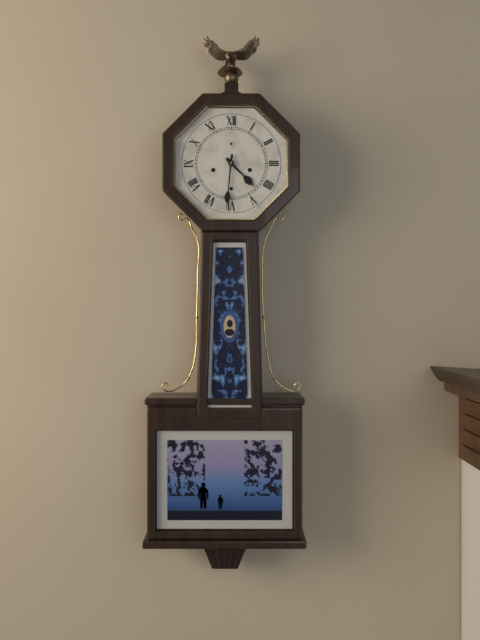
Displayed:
h=4 m=31
